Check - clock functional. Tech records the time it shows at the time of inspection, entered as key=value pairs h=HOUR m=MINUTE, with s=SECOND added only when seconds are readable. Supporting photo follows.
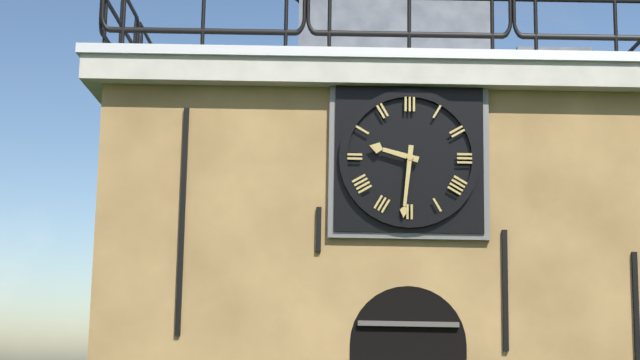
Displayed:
h=9 m=31
